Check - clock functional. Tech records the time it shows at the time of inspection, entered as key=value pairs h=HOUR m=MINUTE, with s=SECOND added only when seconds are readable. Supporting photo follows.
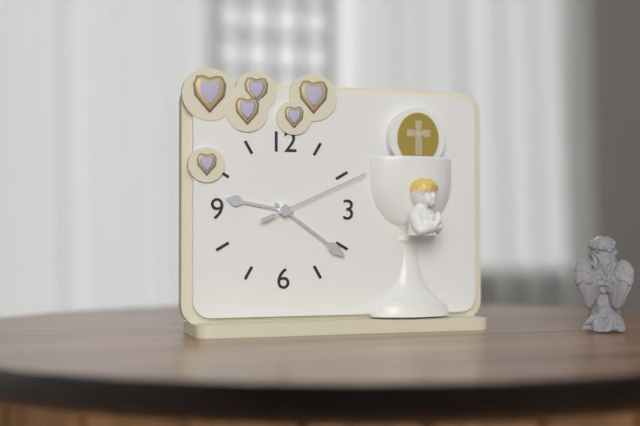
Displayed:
h=9 m=21 s=11
